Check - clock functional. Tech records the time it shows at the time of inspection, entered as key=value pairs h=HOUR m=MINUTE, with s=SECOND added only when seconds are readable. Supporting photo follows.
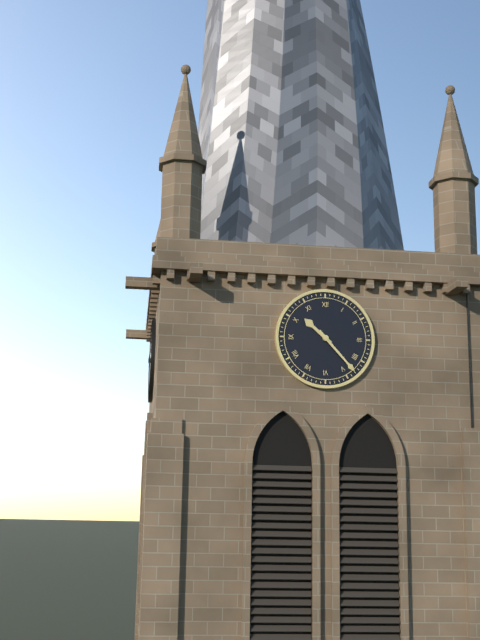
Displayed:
h=10 m=23
